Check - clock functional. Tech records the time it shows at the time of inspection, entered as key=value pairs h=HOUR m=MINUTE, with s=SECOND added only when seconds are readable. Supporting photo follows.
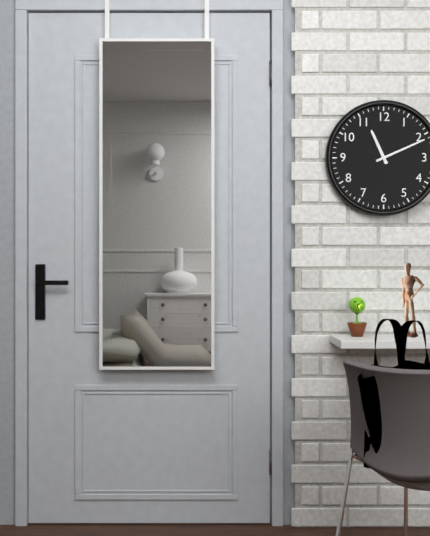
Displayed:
h=11 m=11
